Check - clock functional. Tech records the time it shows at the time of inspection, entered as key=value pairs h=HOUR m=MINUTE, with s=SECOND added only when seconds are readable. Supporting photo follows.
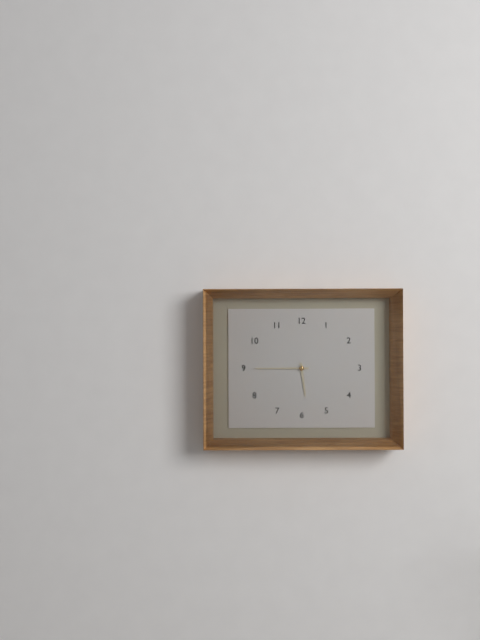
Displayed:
h=5 m=45
